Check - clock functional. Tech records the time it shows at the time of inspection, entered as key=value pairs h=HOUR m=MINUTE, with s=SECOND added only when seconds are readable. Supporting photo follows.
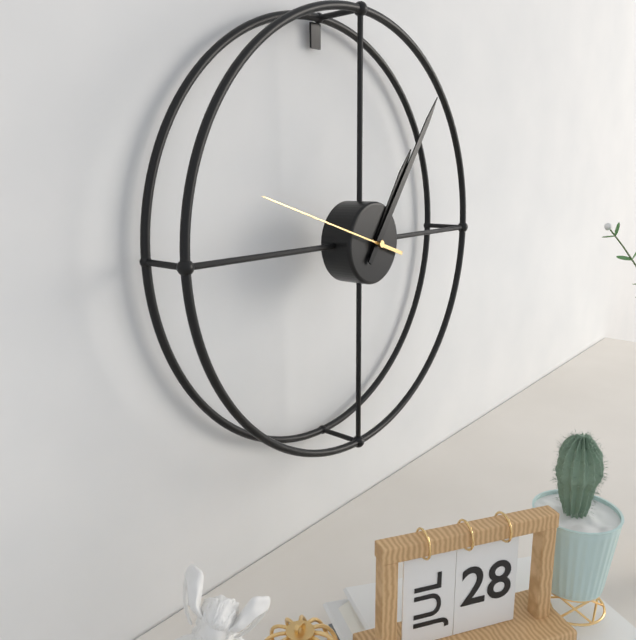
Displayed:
h=1 m=6 s=48
